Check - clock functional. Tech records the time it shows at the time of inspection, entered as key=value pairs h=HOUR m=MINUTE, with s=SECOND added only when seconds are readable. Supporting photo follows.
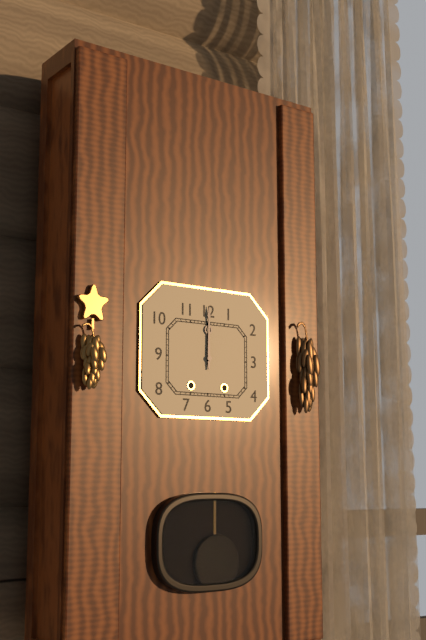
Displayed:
h=12 m=0
